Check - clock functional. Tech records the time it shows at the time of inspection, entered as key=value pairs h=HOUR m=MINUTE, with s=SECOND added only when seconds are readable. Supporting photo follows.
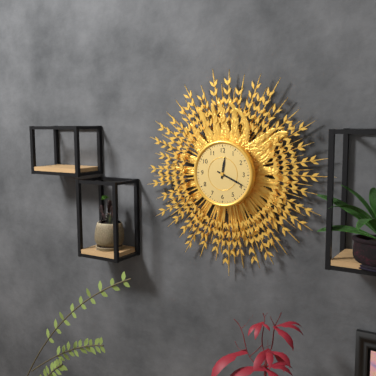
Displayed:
h=12 m=19
